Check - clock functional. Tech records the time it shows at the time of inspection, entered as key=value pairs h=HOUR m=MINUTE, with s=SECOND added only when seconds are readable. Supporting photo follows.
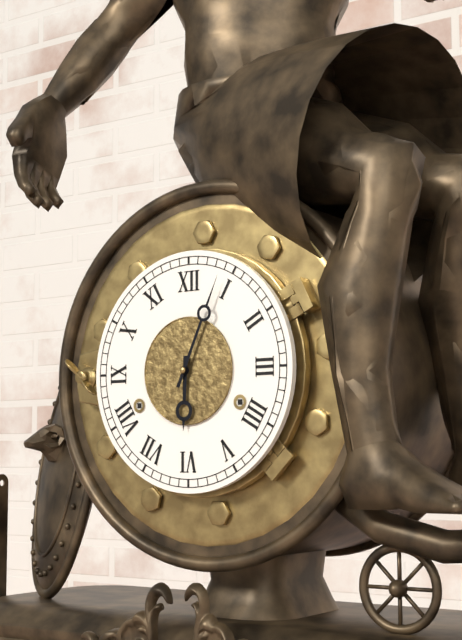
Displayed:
h=6 m=4
